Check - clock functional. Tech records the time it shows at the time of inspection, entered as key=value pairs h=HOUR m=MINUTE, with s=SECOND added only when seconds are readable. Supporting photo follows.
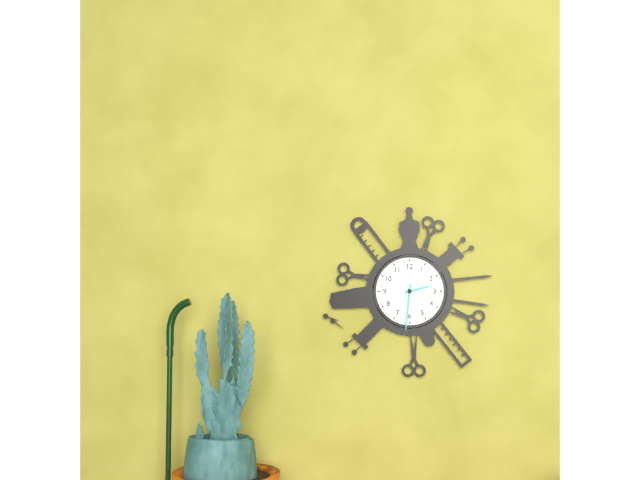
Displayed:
h=2 m=31
